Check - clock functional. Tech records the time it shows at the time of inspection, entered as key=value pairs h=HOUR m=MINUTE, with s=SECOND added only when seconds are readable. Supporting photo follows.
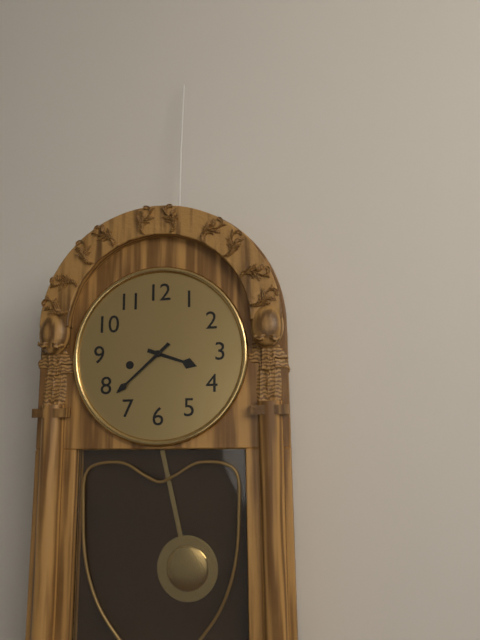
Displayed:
h=3 m=38
